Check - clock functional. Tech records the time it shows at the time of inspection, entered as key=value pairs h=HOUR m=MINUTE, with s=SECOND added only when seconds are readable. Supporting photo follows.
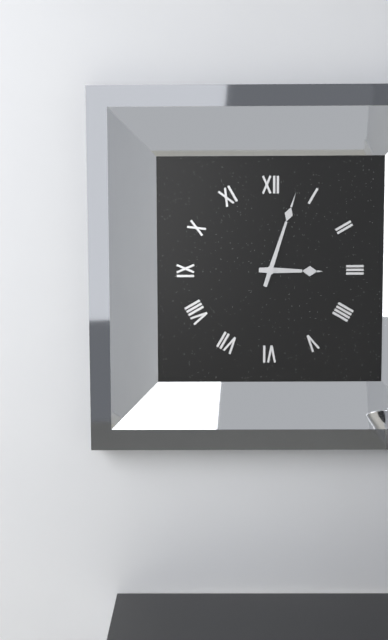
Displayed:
h=3 m=3
